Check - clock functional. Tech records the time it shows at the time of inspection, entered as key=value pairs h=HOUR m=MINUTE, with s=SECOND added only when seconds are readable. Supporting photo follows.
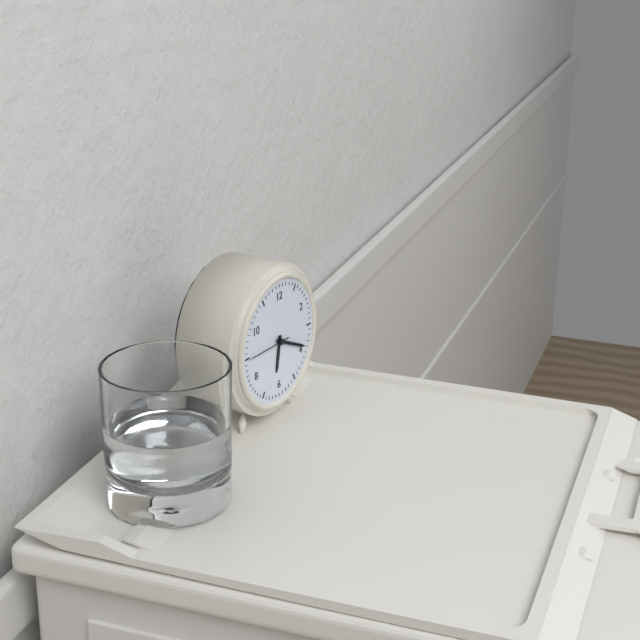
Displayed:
h=6 m=19
